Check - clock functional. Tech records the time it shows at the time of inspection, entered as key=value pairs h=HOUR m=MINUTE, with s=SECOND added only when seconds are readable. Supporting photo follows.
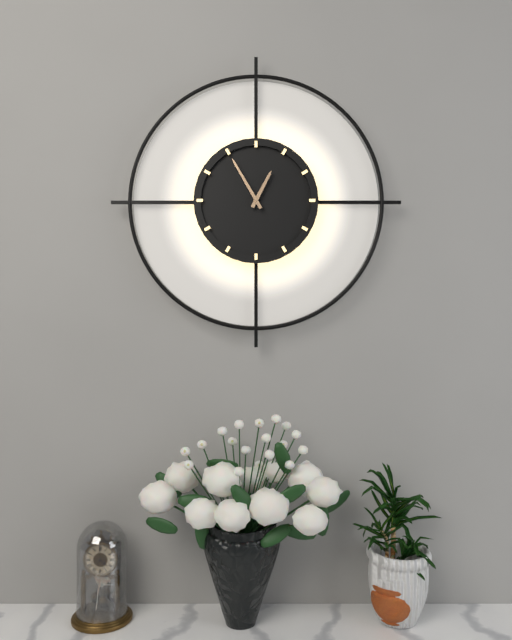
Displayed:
h=12 m=55
